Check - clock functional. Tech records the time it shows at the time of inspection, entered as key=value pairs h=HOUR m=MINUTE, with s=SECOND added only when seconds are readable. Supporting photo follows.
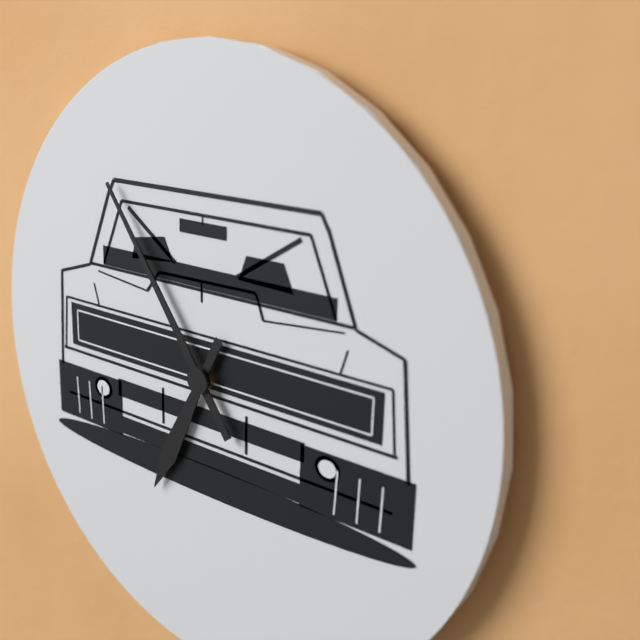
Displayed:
h=6 m=54
